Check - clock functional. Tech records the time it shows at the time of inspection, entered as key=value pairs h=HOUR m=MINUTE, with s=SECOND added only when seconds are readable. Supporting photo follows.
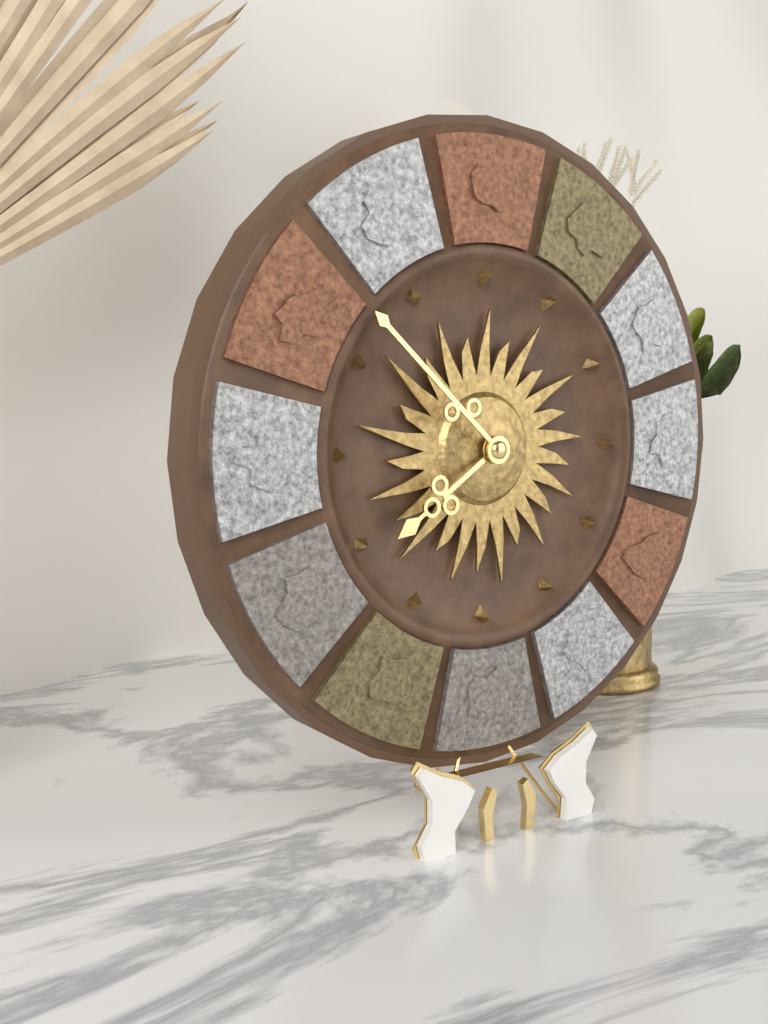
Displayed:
h=7 m=52
